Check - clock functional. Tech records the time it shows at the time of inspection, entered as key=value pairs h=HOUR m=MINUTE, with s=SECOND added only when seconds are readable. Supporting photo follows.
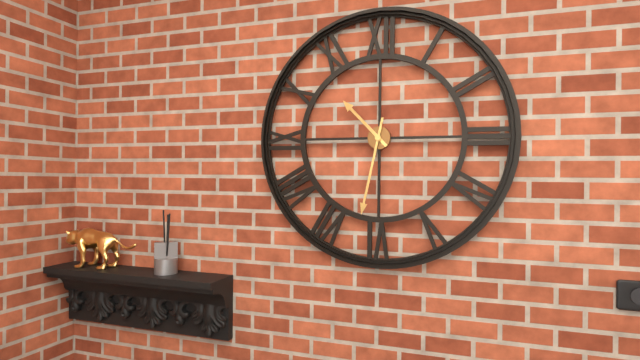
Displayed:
h=10 m=32
